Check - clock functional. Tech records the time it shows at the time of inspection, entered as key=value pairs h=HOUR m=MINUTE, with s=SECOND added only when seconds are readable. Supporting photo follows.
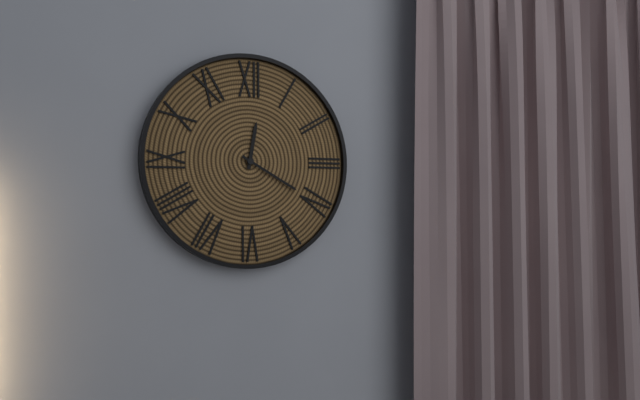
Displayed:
h=12 m=20
